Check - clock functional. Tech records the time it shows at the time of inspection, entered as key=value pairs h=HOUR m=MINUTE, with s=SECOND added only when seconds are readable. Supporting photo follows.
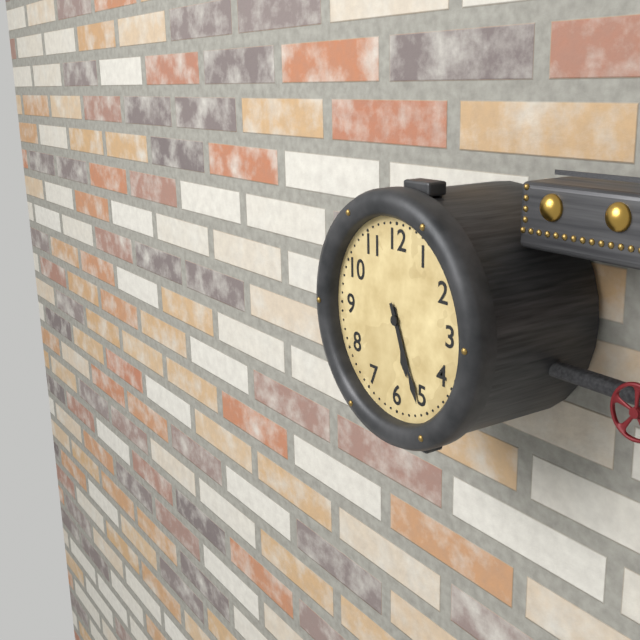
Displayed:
h=5 m=26
